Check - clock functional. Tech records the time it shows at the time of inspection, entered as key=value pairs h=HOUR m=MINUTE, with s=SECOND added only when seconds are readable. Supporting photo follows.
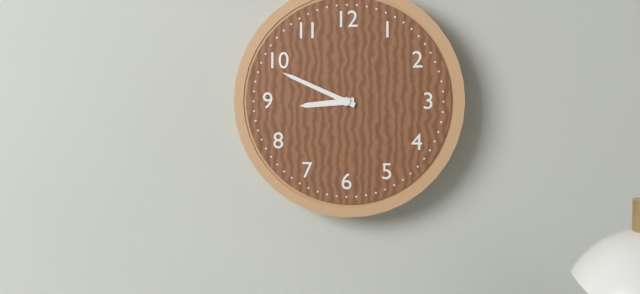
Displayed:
h=8 m=49
